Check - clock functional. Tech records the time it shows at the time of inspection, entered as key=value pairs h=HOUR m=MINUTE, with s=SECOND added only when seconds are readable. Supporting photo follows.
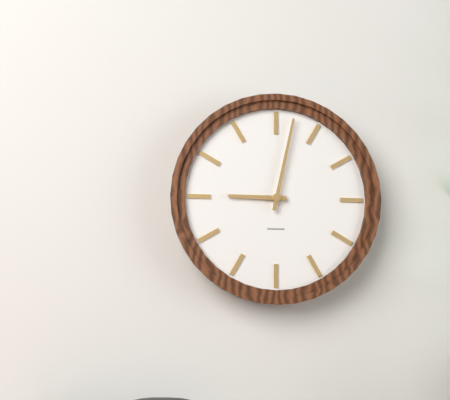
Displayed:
h=9 m=2
